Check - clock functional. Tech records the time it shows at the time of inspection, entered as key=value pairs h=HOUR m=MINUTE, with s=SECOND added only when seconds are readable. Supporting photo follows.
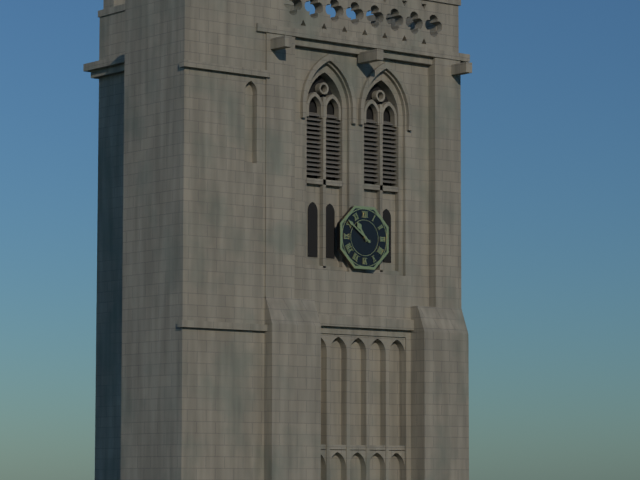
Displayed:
h=10 m=51
